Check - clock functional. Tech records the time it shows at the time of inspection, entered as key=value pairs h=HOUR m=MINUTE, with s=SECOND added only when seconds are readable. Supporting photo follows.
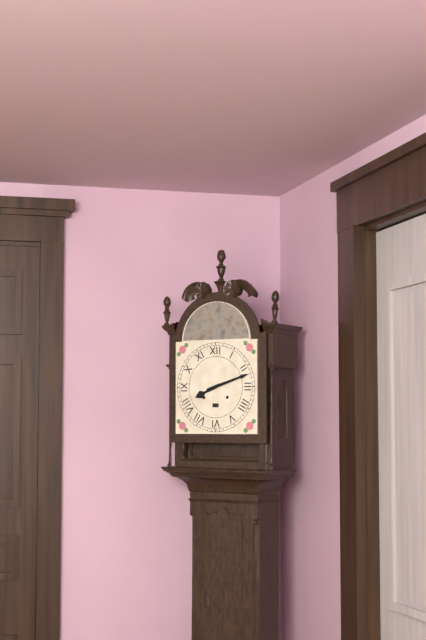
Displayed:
h=8 m=12
